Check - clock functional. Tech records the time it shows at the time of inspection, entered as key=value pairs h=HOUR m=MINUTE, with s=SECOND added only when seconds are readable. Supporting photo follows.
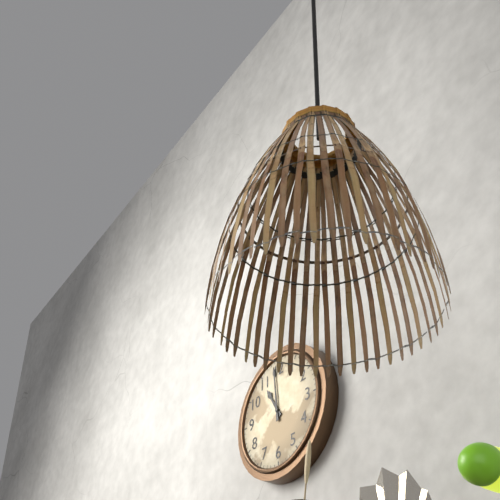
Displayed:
h=10 m=59
